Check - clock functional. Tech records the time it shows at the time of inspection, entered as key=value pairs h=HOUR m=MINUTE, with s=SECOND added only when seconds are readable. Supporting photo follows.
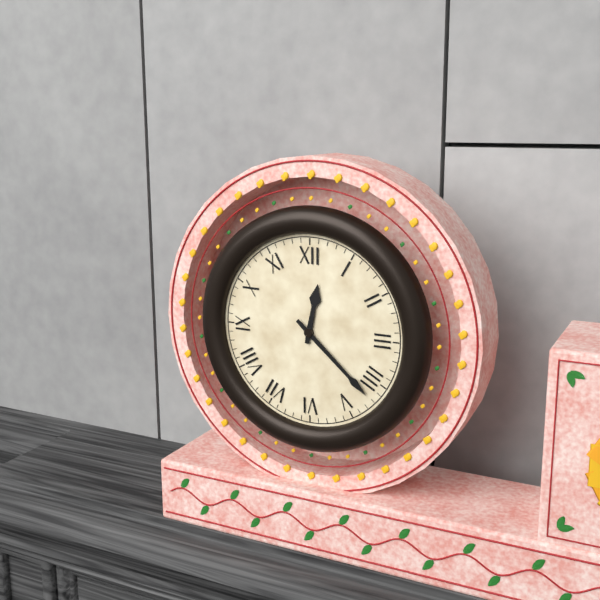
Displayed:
h=12 m=22
